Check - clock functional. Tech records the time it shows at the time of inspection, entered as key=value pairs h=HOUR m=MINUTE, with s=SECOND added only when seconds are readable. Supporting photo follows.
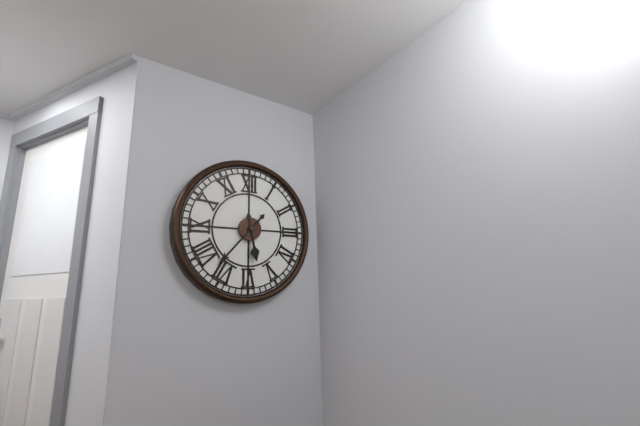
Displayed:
h=5 m=37
